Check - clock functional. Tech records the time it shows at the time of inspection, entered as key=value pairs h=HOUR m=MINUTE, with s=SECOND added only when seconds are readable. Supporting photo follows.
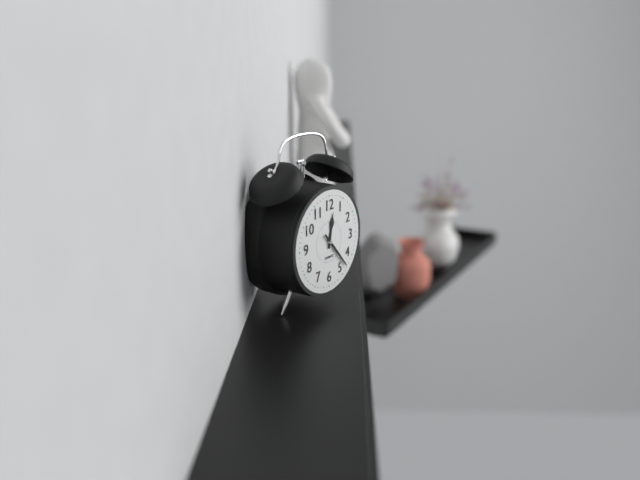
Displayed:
h=12 m=23
